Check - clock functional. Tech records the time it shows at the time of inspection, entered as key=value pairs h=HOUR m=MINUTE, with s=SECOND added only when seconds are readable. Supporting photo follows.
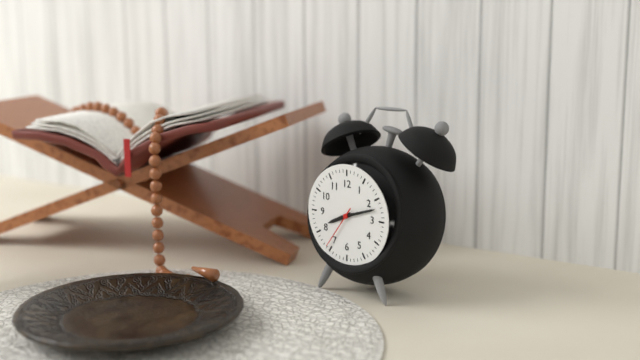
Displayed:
h=8 m=12
